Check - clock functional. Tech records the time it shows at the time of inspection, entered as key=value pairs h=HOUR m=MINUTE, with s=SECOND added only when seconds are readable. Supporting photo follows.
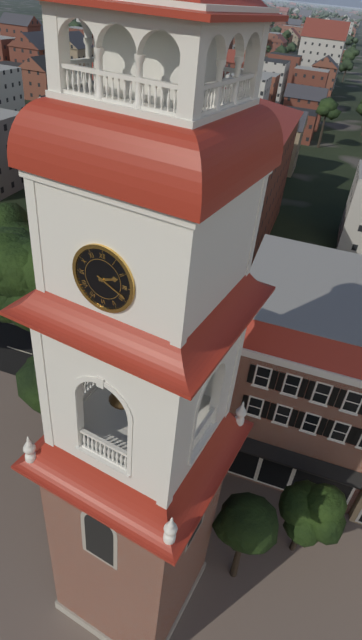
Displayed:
h=2 m=19
